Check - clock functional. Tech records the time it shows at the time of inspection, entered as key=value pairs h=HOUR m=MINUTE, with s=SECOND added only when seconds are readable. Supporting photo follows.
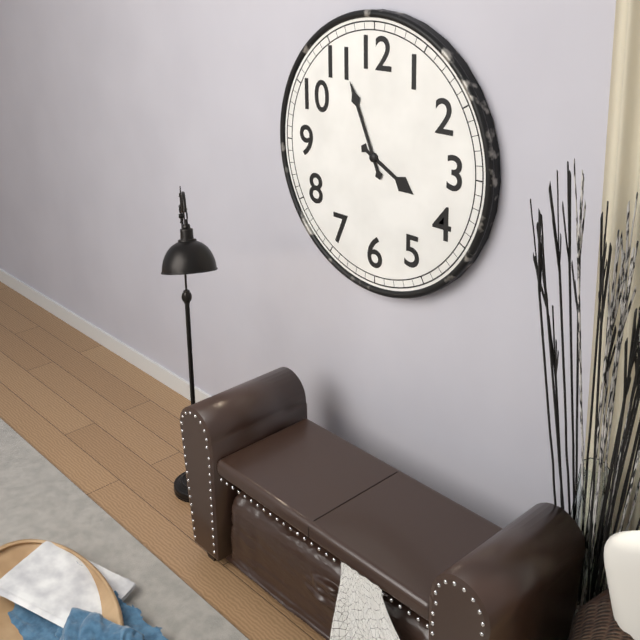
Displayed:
h=3 m=56
